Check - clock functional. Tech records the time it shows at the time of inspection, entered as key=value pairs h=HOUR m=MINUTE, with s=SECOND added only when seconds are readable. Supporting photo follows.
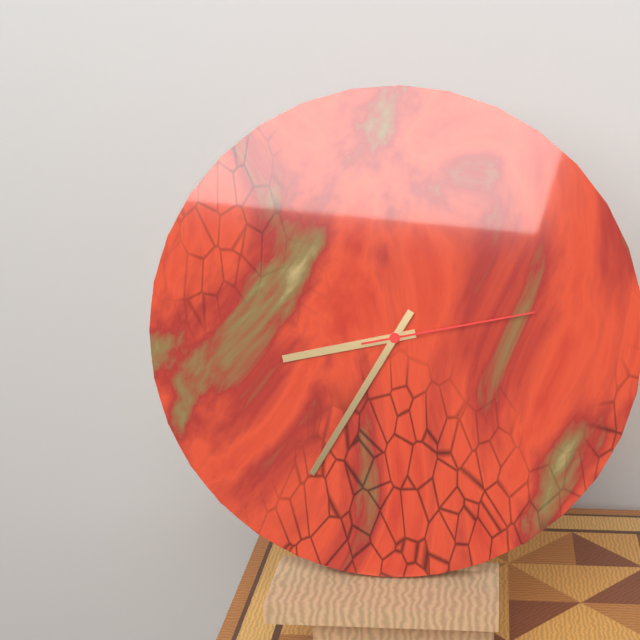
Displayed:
h=8 m=35 s=13
